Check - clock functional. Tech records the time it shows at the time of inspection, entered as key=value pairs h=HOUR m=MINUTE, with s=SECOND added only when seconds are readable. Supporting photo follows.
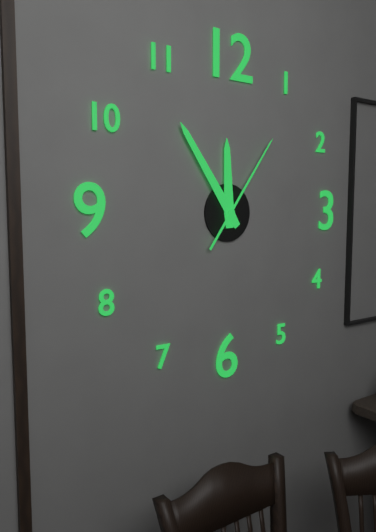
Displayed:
h=11 m=54 s=6
